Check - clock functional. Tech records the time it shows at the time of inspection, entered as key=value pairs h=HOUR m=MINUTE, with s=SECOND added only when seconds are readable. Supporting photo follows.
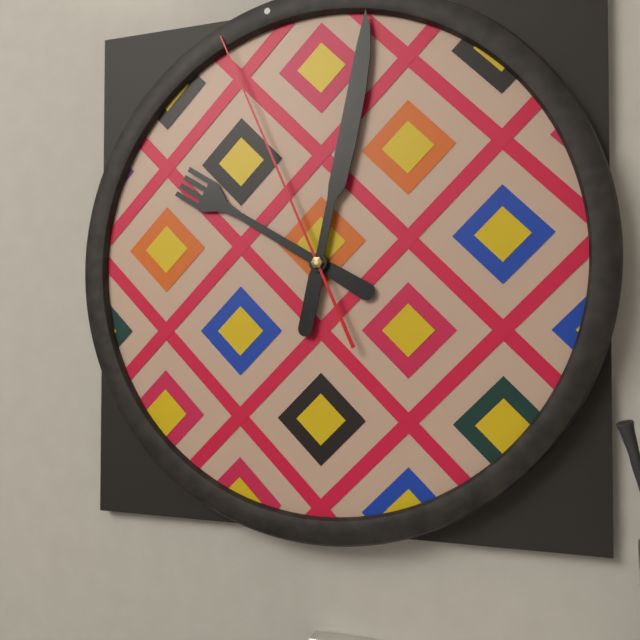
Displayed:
h=10 m=2 s=56
